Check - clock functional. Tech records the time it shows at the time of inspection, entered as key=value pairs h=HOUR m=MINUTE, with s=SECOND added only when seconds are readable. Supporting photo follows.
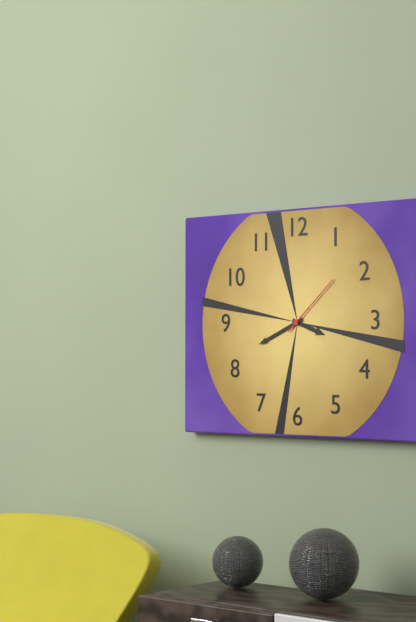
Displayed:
h=3 m=41 s=8
